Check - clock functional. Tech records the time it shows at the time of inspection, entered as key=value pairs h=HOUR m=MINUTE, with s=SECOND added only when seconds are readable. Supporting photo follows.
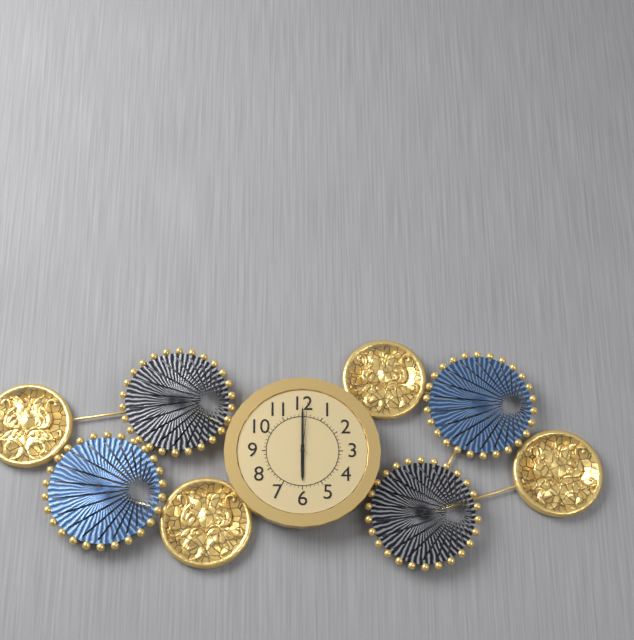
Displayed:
h=6 m=0 s=1
